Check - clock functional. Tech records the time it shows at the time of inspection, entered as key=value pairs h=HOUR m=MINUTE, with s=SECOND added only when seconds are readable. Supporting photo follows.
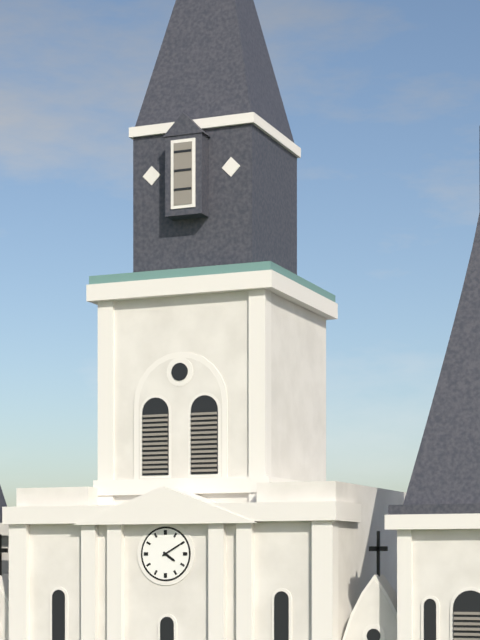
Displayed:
h=4 m=10
